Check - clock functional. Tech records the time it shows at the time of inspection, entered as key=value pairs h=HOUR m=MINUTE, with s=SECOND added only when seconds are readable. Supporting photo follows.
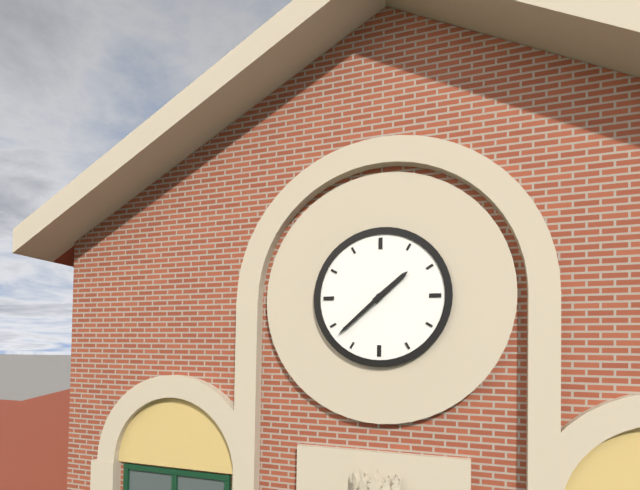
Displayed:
h=1 m=38
